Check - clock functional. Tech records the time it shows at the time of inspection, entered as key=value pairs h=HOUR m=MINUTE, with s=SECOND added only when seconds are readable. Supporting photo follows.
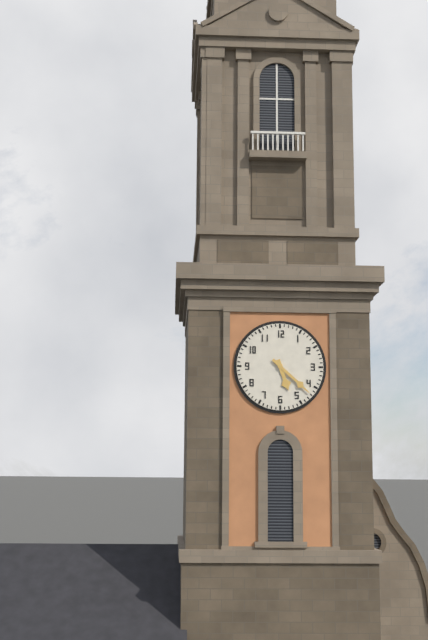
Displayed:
h=5 m=22
